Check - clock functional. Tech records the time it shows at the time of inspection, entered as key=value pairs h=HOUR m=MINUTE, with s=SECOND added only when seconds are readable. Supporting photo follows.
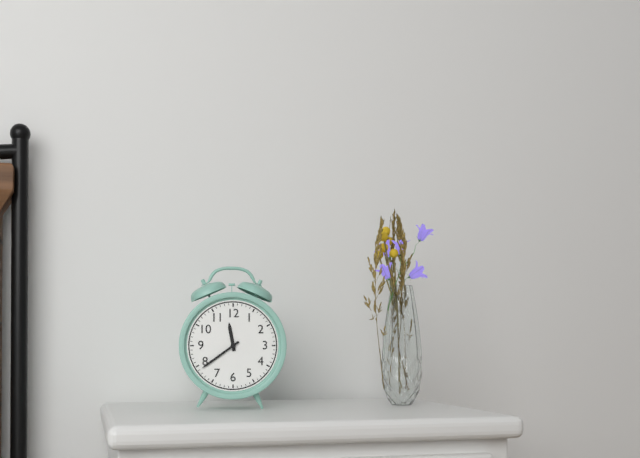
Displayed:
h=11 m=39
